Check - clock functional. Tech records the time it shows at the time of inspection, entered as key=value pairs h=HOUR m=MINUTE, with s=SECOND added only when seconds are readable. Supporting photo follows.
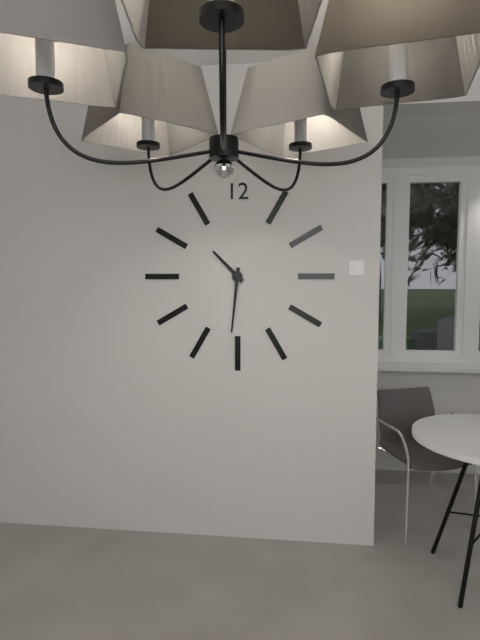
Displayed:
h=10 m=31
